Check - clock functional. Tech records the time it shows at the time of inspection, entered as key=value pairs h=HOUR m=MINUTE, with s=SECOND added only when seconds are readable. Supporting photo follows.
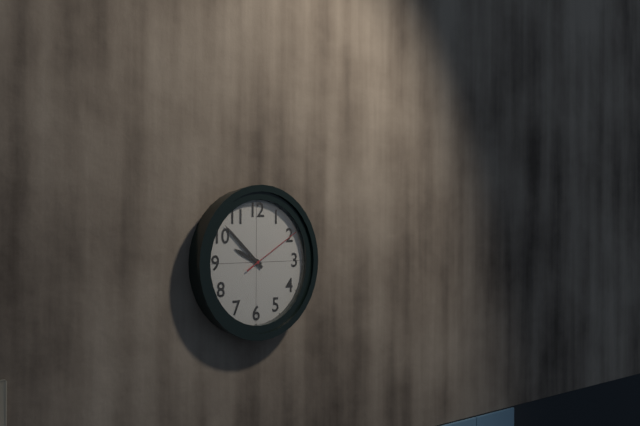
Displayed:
h=9 m=52 s=10
